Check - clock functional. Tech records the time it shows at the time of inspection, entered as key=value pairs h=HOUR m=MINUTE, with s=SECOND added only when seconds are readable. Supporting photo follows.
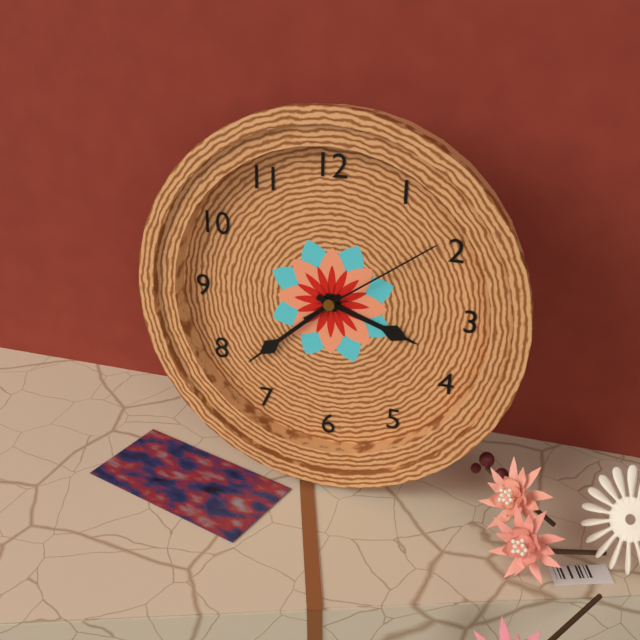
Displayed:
h=3 m=38 s=9
